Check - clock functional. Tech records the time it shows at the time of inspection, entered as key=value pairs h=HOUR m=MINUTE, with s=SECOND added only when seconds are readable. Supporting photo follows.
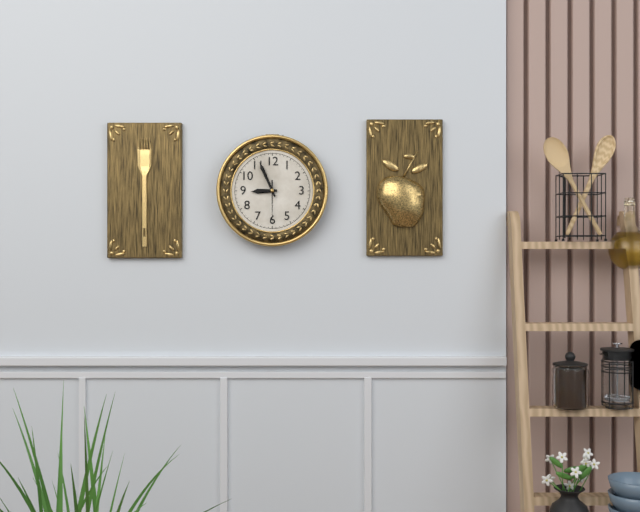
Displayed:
h=8 m=56
